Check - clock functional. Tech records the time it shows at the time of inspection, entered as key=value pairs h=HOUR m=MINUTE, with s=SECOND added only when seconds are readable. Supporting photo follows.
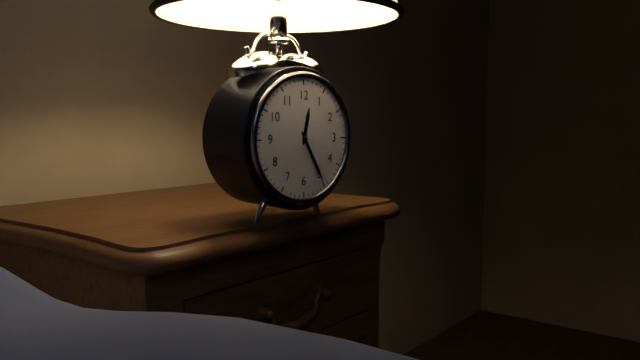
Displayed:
h=12 m=25
